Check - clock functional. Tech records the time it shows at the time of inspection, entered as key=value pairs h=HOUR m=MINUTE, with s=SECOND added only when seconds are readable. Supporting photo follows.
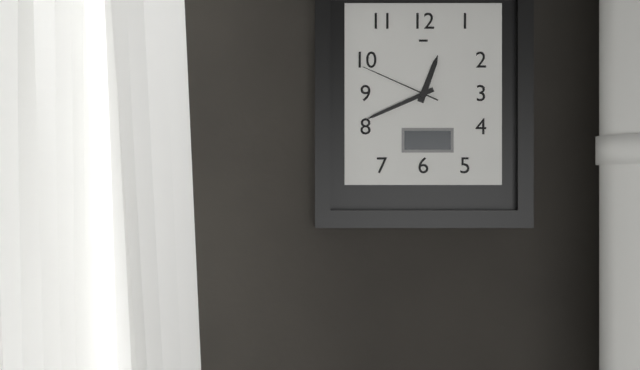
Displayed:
h=12 m=41 s=49
